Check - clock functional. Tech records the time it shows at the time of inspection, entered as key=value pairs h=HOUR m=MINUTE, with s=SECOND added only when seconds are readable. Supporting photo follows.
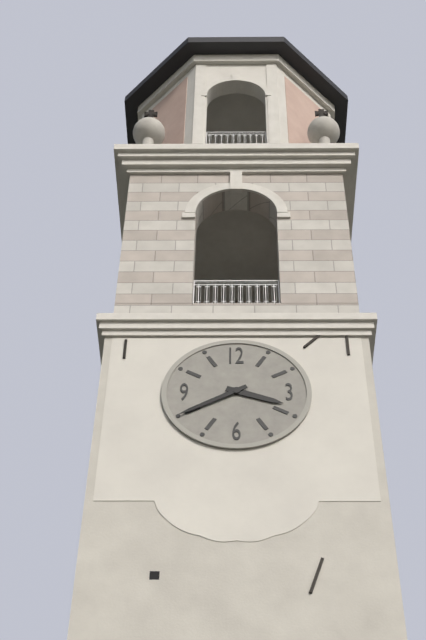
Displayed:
h=3 m=40
